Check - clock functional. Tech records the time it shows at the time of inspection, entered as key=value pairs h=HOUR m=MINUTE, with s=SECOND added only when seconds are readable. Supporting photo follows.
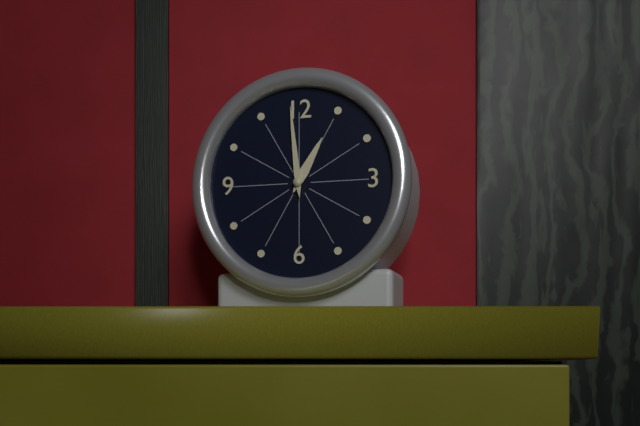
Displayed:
h=12 m=59
